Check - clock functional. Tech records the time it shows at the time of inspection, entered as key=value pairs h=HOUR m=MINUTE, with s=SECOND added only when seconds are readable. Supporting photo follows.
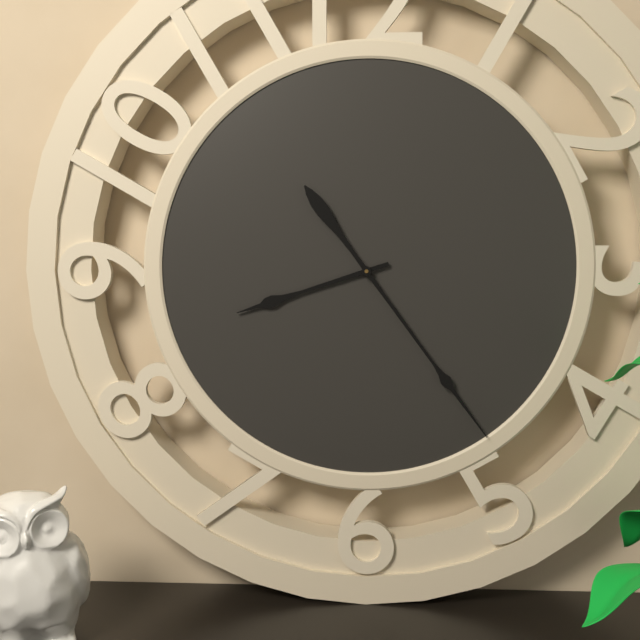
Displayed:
h=8 m=24
